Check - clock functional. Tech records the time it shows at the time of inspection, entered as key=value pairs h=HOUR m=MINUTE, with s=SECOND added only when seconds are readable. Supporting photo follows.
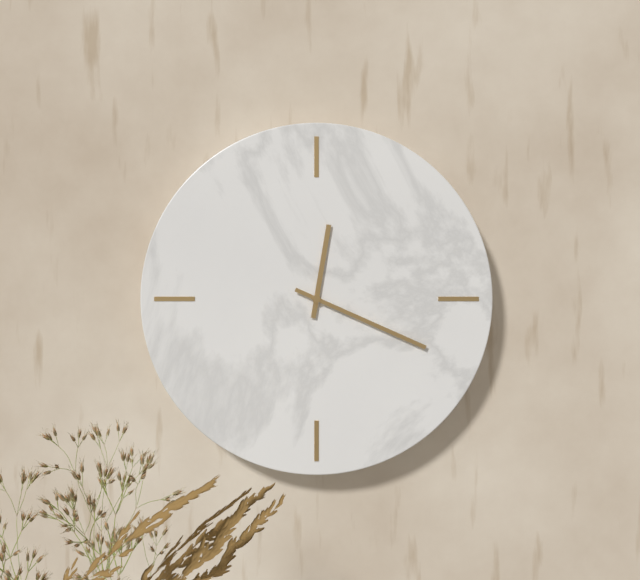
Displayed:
h=12 m=19
